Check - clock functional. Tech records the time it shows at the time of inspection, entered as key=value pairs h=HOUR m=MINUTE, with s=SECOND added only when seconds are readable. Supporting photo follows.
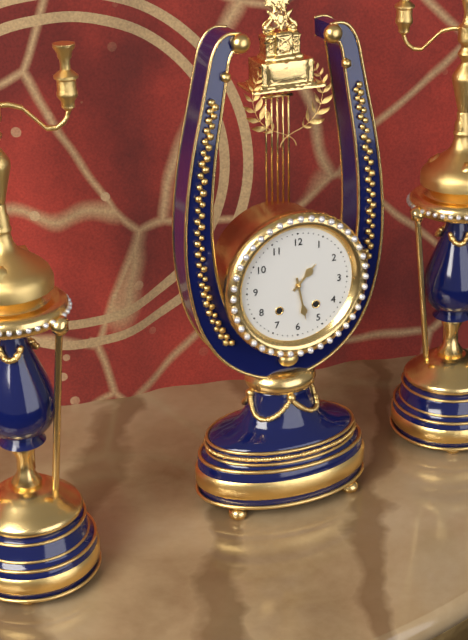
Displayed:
h=1 m=28
